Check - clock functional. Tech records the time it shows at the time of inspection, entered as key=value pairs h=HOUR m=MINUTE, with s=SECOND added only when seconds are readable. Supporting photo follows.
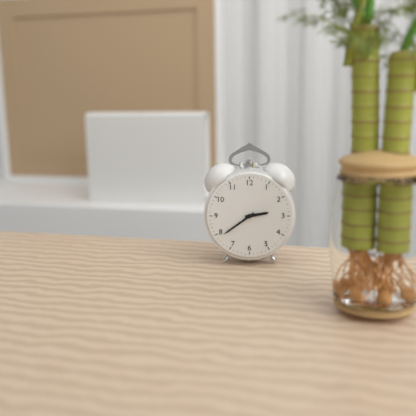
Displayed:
h=2 m=39
